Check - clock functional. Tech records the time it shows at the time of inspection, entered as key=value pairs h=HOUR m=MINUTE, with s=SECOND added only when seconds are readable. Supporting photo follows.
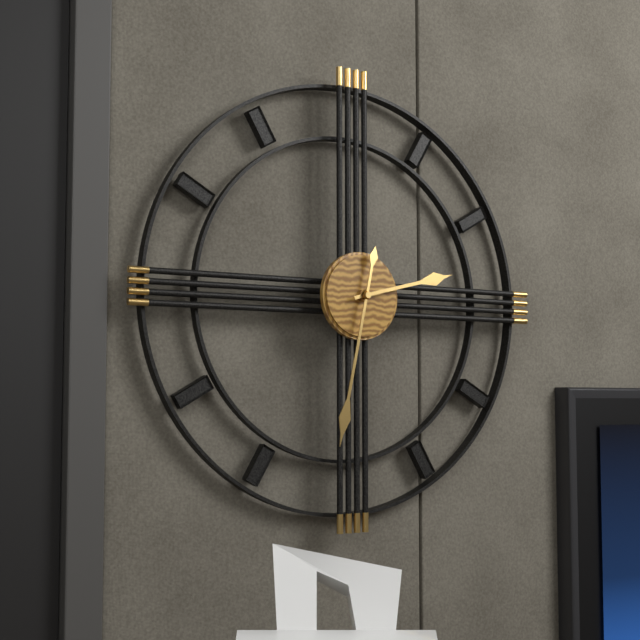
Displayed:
h=2 m=32
